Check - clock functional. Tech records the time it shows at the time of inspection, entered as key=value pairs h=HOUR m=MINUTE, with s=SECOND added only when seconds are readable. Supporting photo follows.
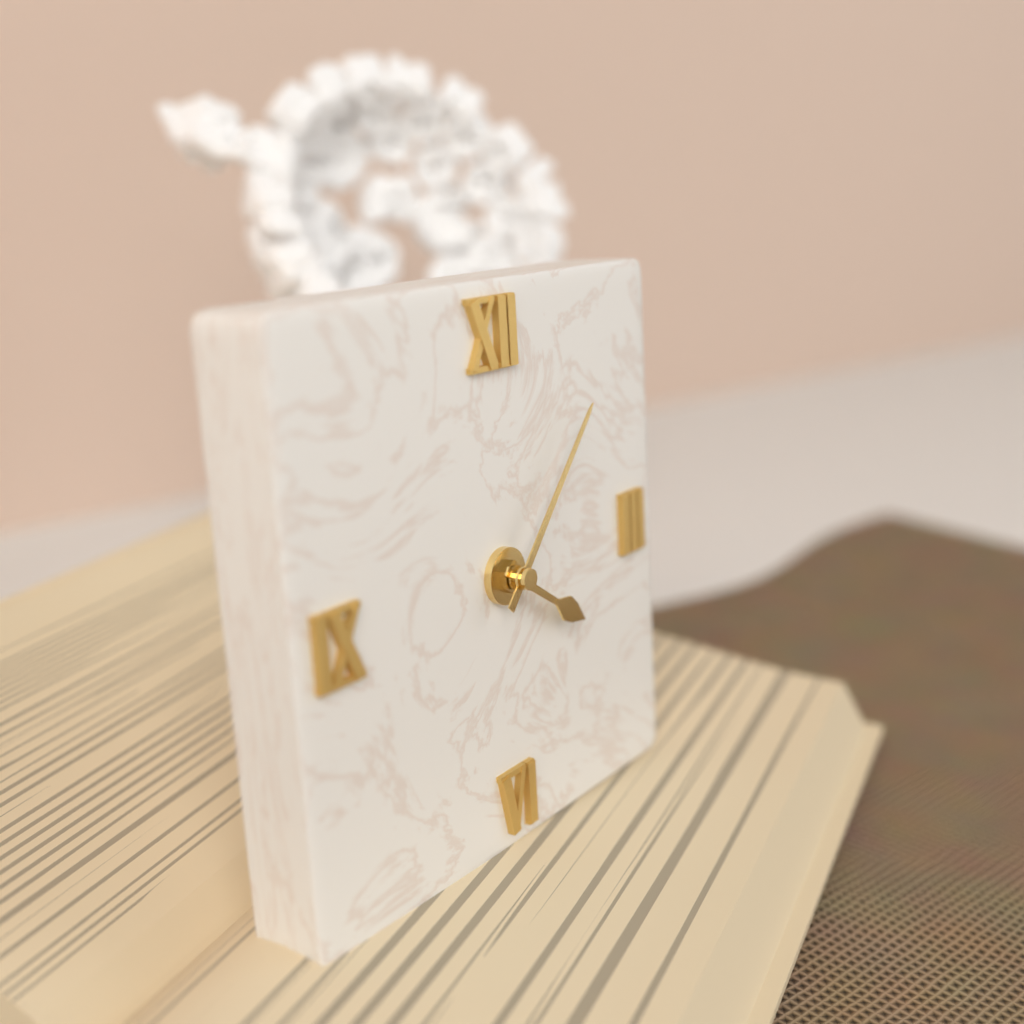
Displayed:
h=4 m=7
